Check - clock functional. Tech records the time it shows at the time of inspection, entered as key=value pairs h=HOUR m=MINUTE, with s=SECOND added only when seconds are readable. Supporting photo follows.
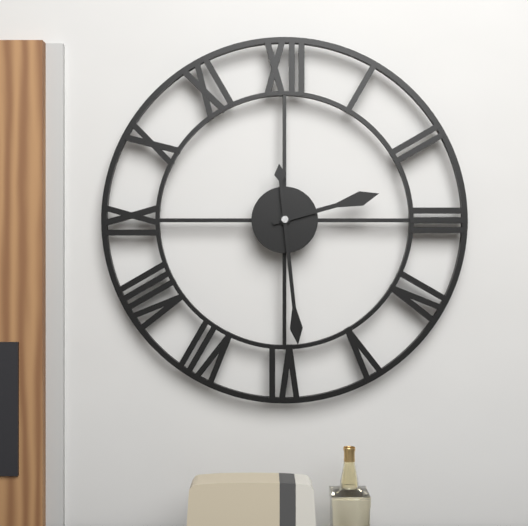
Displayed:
h=2 m=29
